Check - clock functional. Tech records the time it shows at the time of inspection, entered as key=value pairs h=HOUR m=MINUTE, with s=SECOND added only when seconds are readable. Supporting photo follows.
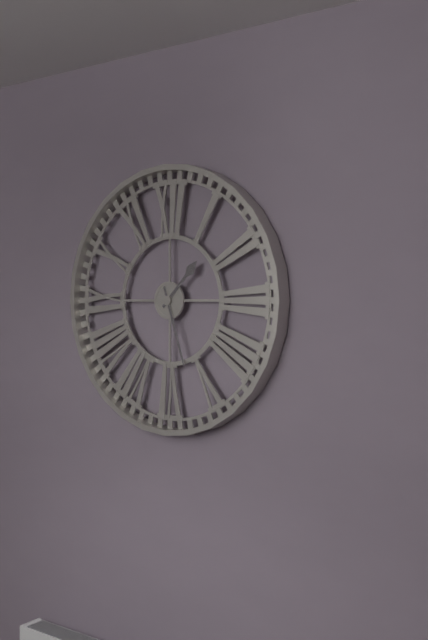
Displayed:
h=1 m=27
